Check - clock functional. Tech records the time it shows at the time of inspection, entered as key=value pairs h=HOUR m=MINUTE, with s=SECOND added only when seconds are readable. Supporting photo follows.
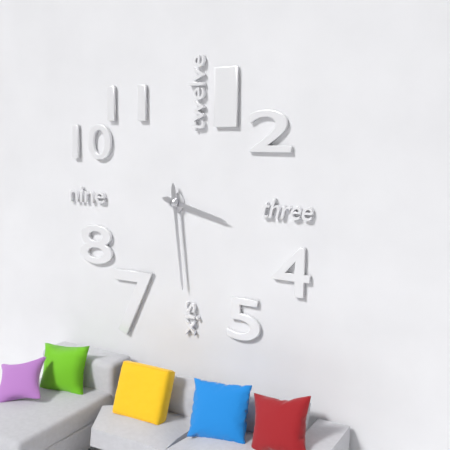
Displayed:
h=3 m=29
